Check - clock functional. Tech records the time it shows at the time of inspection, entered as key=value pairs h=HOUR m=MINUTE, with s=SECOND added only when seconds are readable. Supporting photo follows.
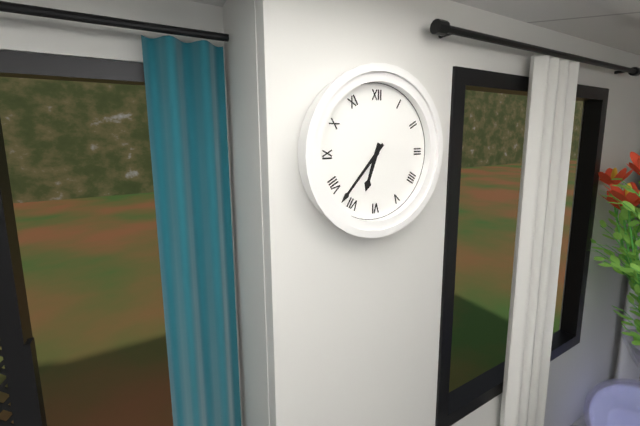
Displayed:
h=6 m=37
